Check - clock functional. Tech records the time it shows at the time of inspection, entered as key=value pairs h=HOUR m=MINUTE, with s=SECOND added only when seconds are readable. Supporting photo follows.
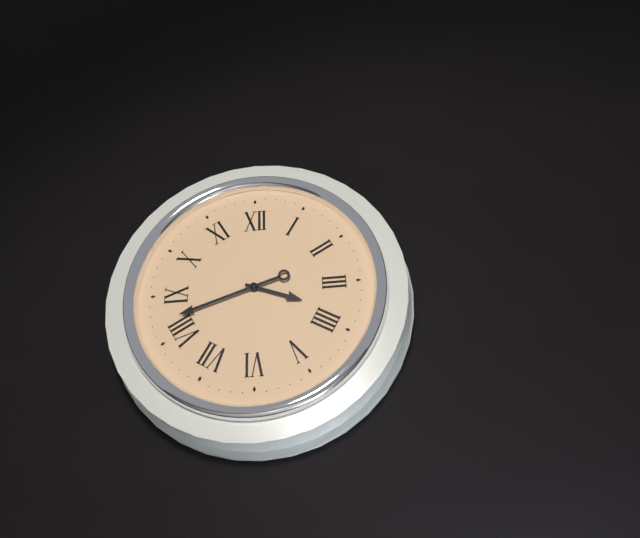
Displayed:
h=3 m=42
